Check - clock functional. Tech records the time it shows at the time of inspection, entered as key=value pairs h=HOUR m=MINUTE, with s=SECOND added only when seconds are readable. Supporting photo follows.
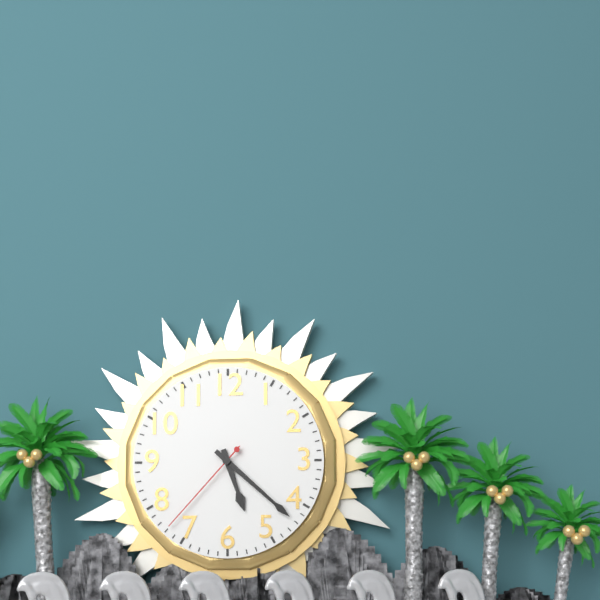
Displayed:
h=5 m=22 s=37
